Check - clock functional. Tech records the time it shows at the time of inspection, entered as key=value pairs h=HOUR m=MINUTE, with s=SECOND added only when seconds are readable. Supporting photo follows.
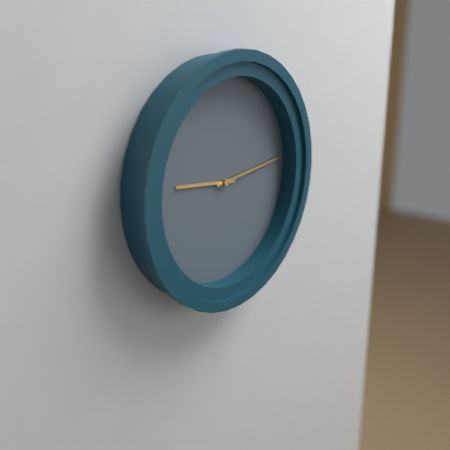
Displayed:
h=9 m=14
